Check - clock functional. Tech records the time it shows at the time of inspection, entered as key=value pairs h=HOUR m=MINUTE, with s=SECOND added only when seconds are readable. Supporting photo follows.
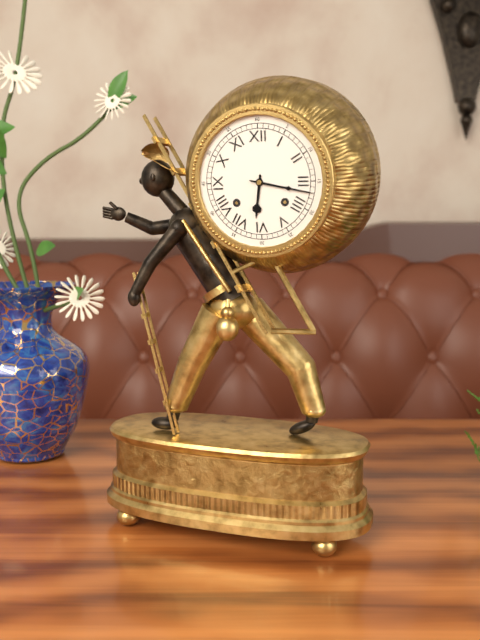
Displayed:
h=6 m=17
